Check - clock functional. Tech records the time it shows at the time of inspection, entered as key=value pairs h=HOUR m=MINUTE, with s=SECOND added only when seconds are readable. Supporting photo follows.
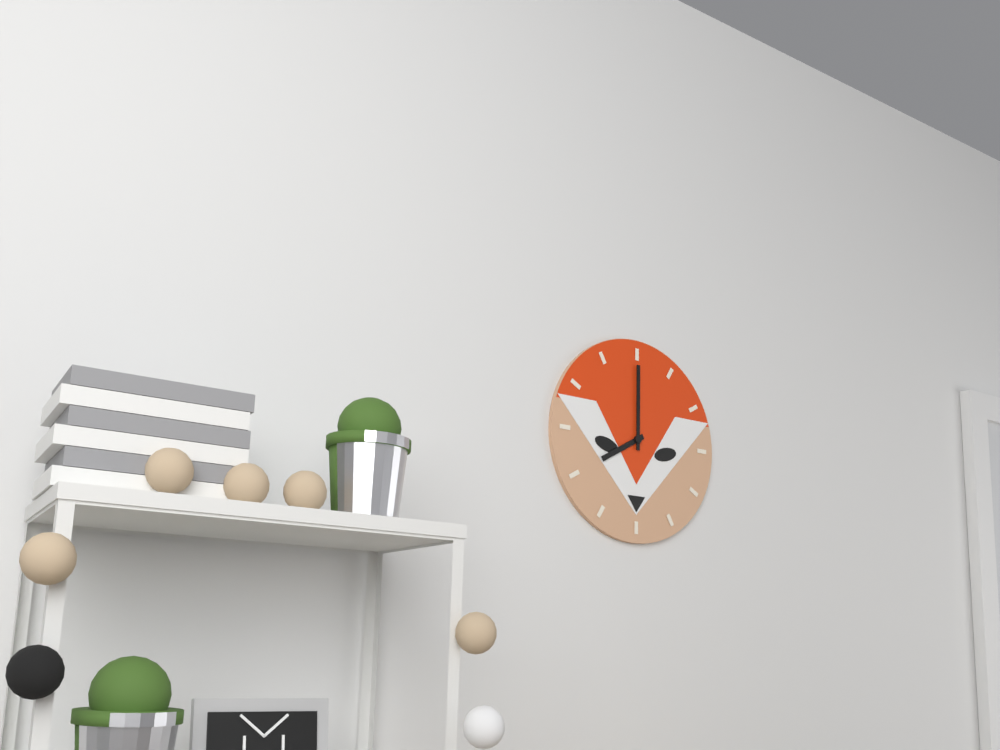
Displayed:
h=8 m=0
